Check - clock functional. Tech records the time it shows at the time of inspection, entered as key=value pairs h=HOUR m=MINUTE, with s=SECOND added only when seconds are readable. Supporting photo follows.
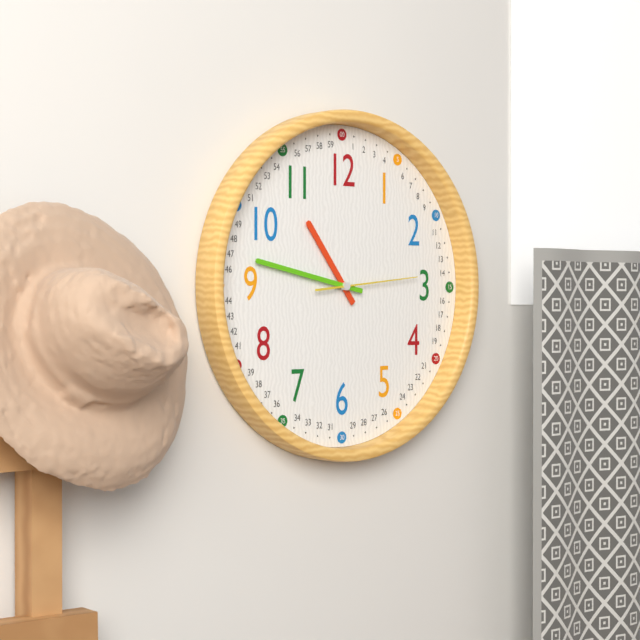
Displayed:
h=10 m=47 s=14
